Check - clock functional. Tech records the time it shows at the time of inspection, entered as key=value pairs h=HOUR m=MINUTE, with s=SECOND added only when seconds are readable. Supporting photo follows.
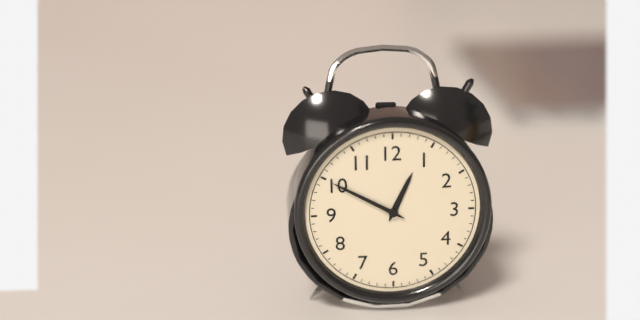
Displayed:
h=12 m=50
